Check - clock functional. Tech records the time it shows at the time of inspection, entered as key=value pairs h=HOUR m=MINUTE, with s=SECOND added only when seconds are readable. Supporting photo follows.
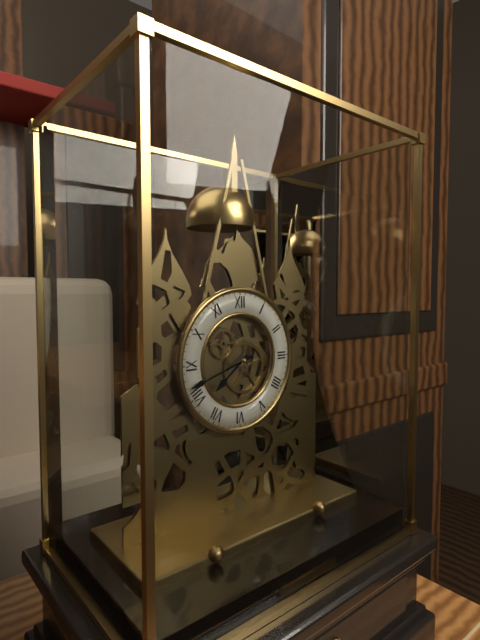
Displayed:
h=7 m=42
